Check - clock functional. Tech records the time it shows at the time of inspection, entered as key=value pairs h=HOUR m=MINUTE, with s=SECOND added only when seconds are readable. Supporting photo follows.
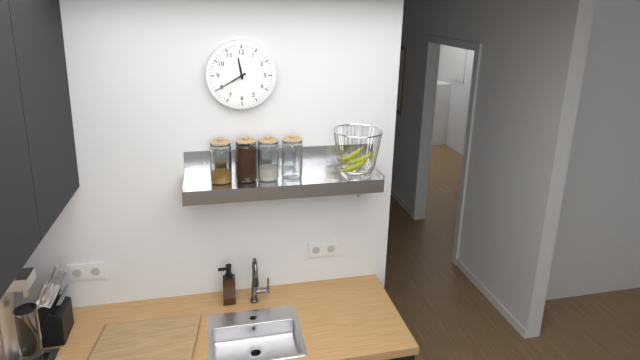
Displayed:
h=11 m=40
